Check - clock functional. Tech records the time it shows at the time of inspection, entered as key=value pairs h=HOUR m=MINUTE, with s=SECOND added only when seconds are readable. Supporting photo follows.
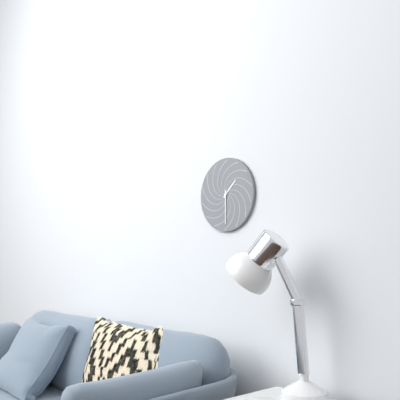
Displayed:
h=1 m=30
